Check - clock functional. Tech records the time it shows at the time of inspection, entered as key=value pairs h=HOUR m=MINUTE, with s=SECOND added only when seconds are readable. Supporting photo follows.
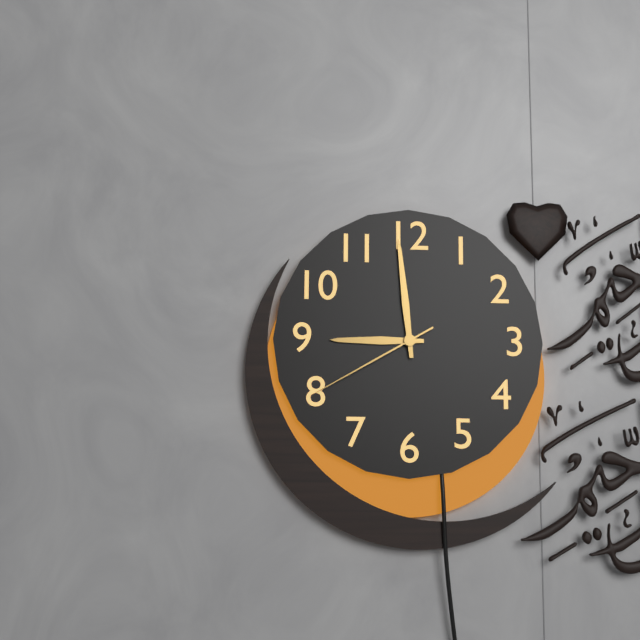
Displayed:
h=8 m=59 s=40
